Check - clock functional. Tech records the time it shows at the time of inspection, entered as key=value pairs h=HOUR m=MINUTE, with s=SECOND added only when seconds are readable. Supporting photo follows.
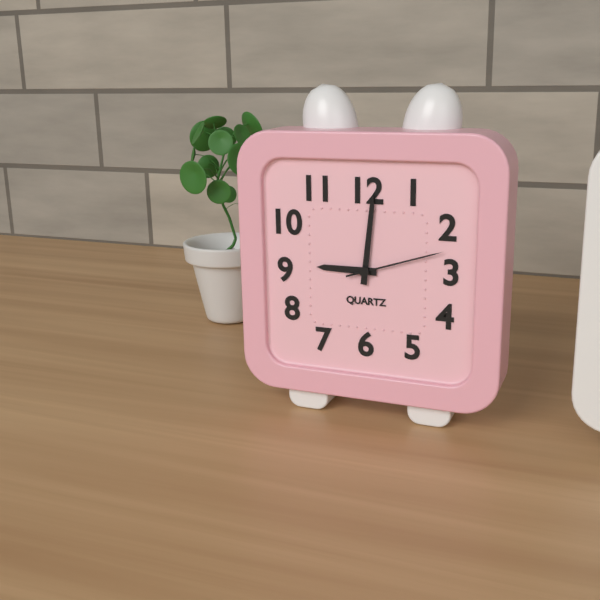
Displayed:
h=9 m=1 s=12
